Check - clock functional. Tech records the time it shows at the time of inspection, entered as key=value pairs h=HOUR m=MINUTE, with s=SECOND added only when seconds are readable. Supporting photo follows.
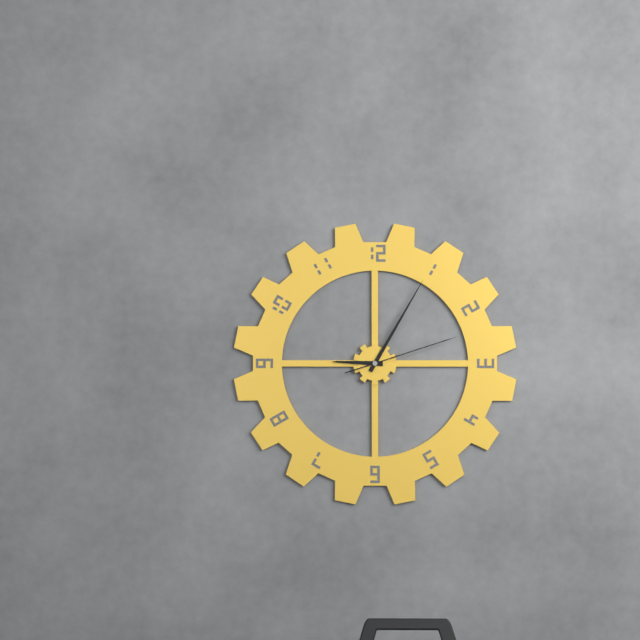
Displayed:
h=9 m=5 s=12
